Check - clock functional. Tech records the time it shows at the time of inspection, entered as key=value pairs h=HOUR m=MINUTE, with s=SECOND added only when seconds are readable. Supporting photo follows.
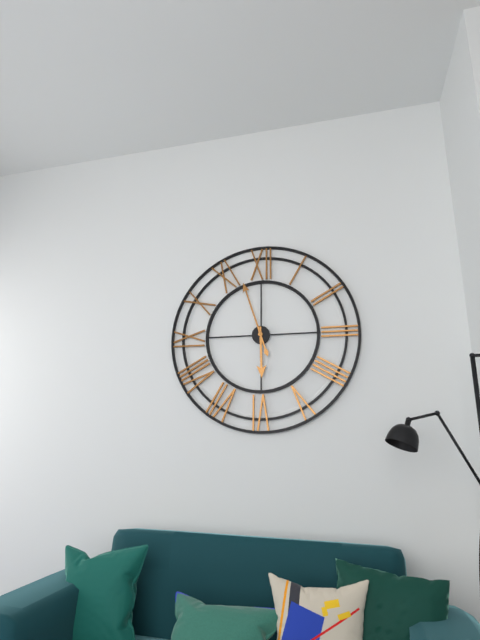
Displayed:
h=5 m=57
